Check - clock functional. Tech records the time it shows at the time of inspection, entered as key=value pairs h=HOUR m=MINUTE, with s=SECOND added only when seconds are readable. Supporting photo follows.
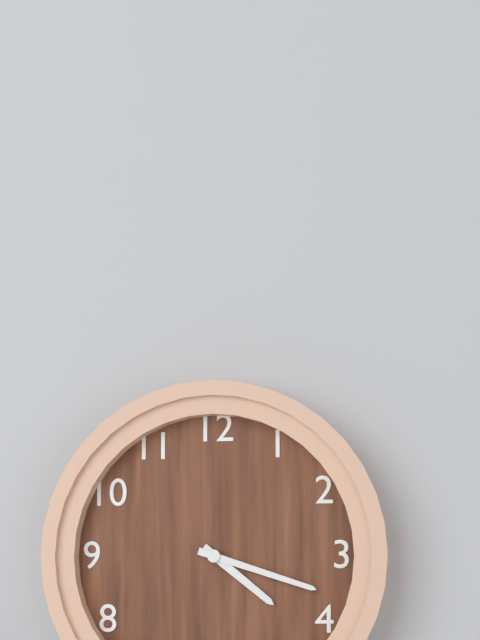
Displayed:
h=4 m=18
